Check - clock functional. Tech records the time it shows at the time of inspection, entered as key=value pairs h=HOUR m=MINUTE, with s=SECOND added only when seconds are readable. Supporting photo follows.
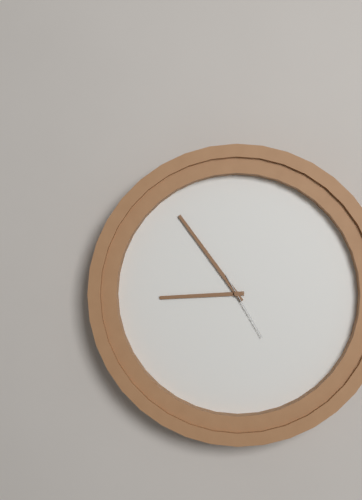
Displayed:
h=8 m=54 s=25
